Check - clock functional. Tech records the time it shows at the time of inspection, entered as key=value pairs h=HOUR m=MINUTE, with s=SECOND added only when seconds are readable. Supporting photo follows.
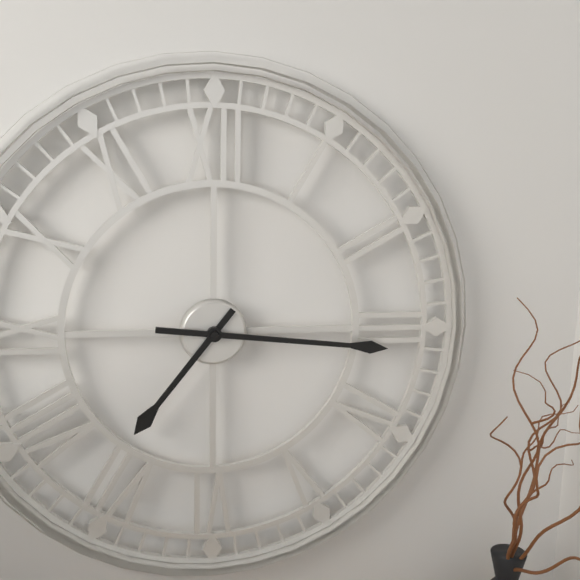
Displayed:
h=7 m=16
